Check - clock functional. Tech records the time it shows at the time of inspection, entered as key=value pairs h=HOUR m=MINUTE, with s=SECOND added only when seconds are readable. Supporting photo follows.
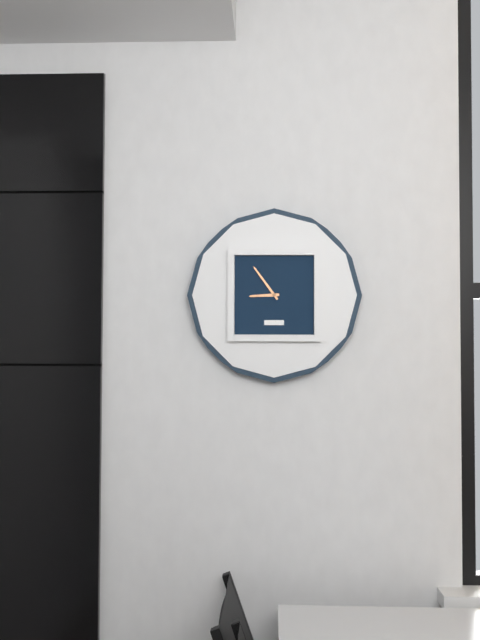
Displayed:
h=8 m=54
